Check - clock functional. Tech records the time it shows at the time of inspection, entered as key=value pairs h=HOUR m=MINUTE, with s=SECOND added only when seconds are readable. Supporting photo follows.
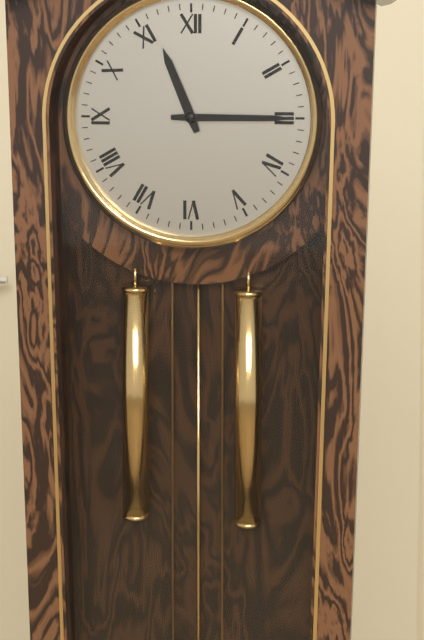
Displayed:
h=11 m=15
